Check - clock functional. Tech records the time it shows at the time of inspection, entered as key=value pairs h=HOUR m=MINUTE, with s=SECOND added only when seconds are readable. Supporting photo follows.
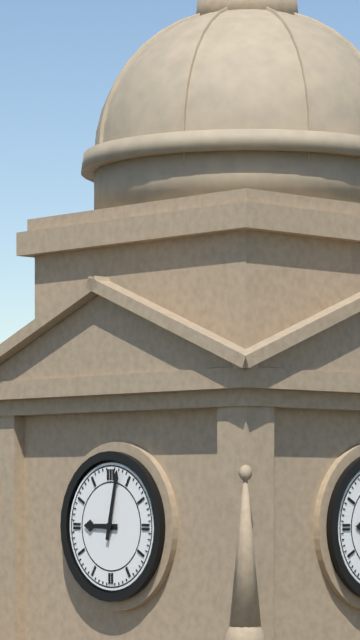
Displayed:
h=9 m=2
